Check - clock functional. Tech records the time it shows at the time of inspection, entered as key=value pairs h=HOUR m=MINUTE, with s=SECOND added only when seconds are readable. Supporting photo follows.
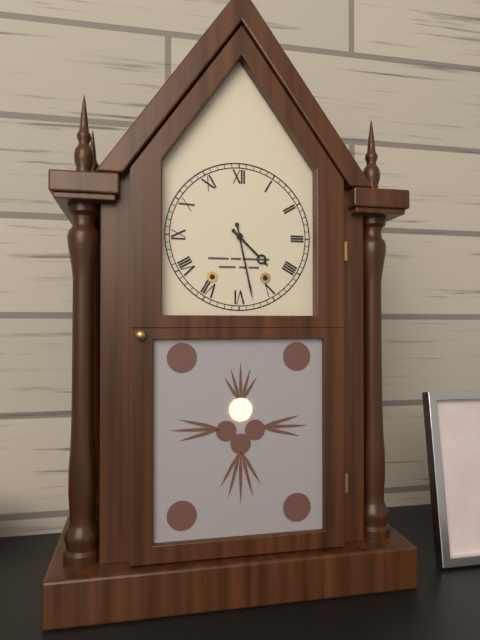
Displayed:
h=4 m=28
